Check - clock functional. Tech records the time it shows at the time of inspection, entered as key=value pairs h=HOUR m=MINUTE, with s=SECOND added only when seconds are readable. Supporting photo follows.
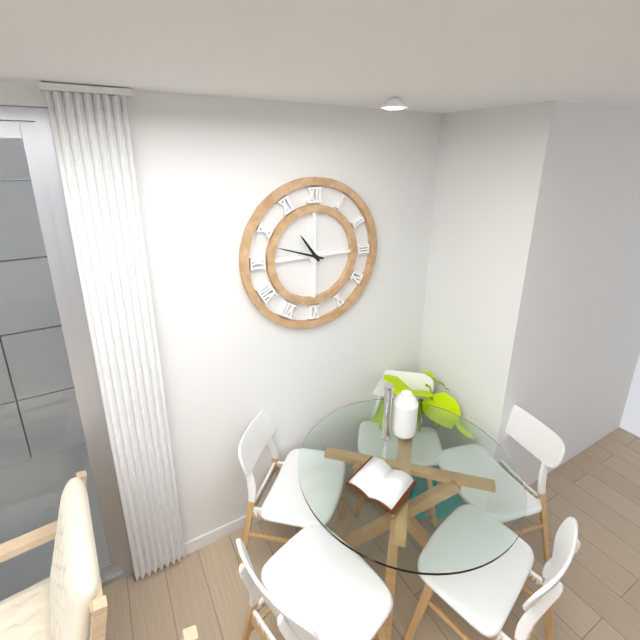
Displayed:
h=10 m=48
